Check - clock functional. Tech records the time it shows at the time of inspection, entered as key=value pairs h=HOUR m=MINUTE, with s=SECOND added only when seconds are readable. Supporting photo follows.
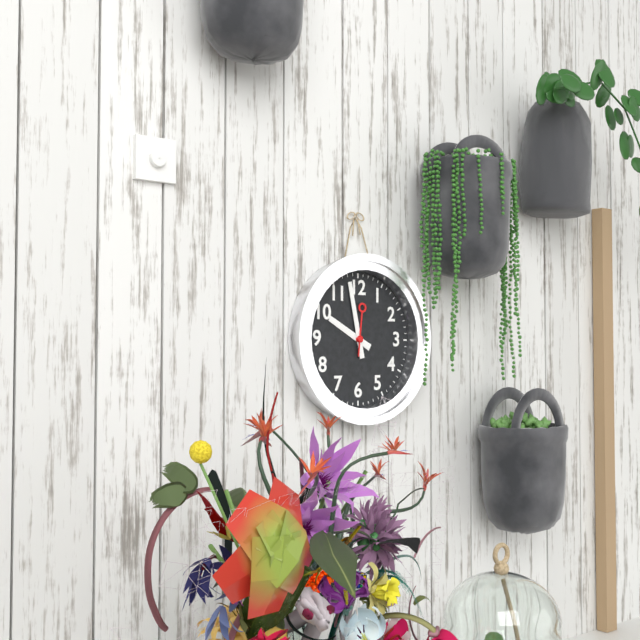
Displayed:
h=9 m=58
